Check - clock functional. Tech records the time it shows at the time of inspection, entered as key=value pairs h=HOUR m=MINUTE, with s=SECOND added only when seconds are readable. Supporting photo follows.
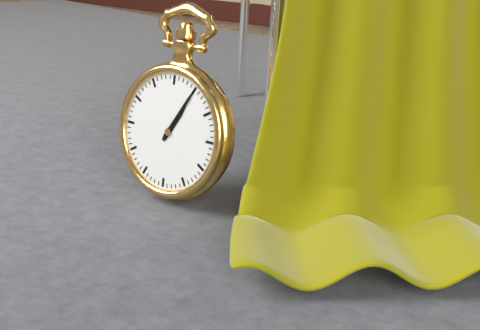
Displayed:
h=1 m=5
